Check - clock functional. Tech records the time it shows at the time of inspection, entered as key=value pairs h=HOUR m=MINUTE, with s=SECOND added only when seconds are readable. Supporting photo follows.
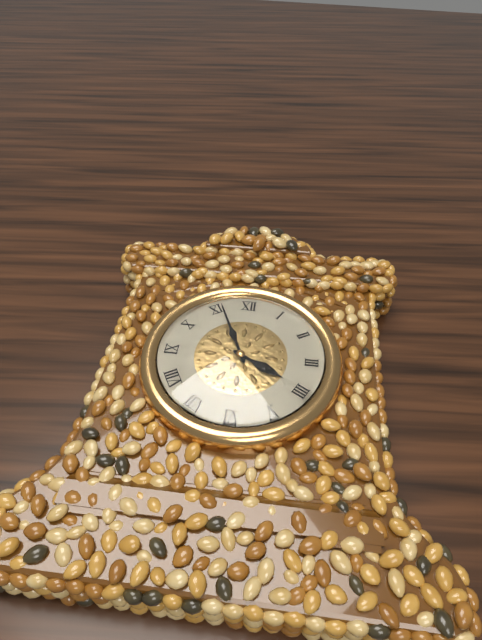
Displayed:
h=3 m=56
